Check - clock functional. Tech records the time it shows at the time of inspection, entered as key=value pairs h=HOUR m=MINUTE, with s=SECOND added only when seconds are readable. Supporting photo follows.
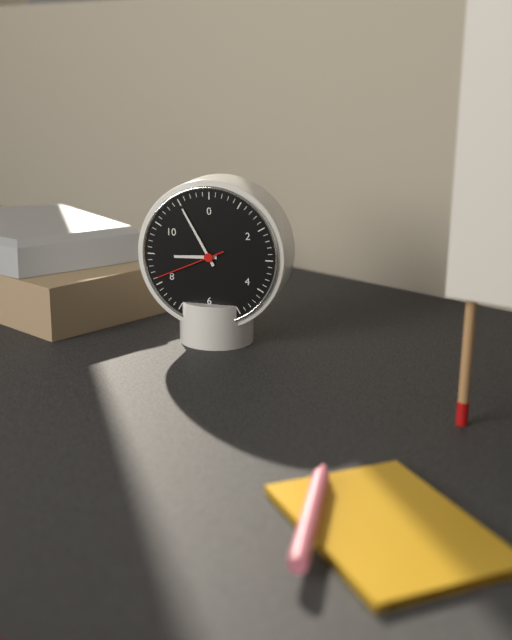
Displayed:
h=8 m=55 s=41
